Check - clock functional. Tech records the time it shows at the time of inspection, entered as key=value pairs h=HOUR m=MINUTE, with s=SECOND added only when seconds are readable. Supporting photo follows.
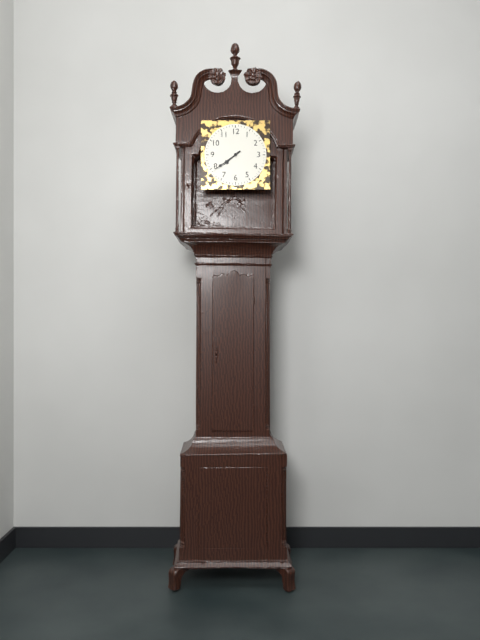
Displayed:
h=7 m=39
